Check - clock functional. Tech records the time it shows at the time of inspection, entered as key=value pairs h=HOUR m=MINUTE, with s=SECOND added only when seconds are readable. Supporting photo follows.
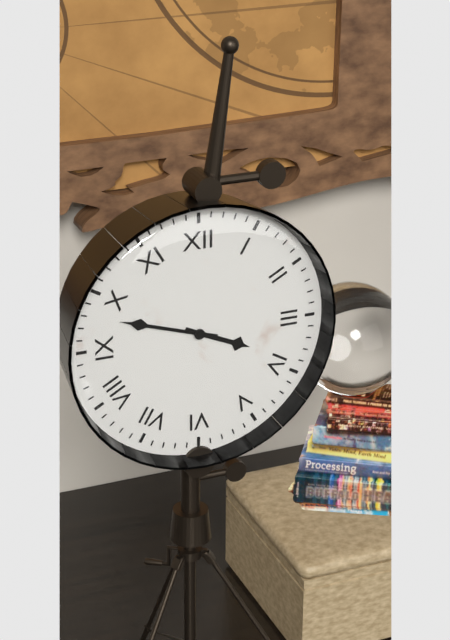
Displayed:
h=3 m=48
